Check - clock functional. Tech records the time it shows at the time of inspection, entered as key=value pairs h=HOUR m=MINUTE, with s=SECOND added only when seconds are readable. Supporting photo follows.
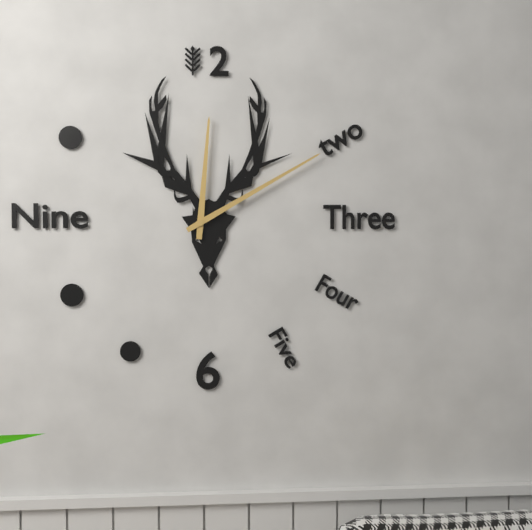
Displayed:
h=12 m=10
